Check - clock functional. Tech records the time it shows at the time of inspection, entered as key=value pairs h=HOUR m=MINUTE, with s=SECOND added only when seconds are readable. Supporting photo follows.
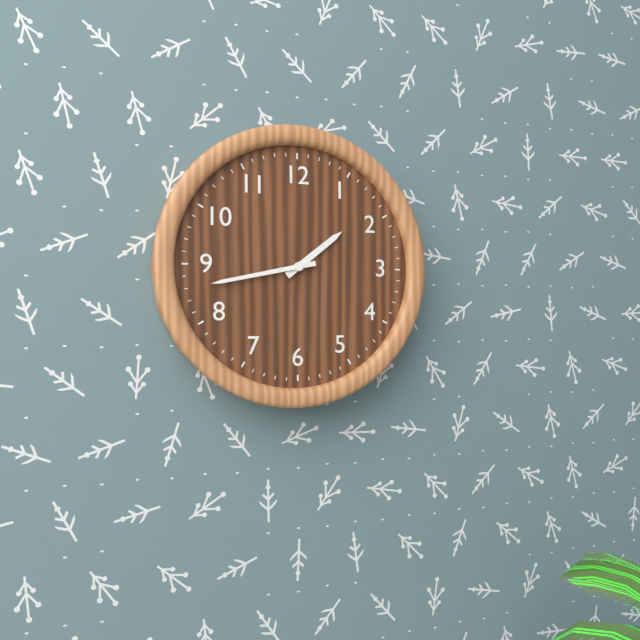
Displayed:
h=1 m=43
